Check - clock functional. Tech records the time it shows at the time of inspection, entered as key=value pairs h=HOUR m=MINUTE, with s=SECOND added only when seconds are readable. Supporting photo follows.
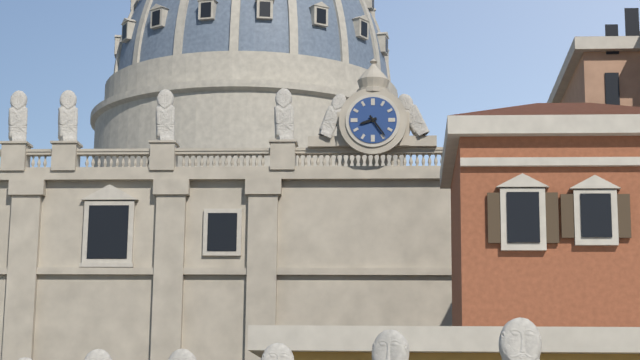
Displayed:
h=8 m=24
